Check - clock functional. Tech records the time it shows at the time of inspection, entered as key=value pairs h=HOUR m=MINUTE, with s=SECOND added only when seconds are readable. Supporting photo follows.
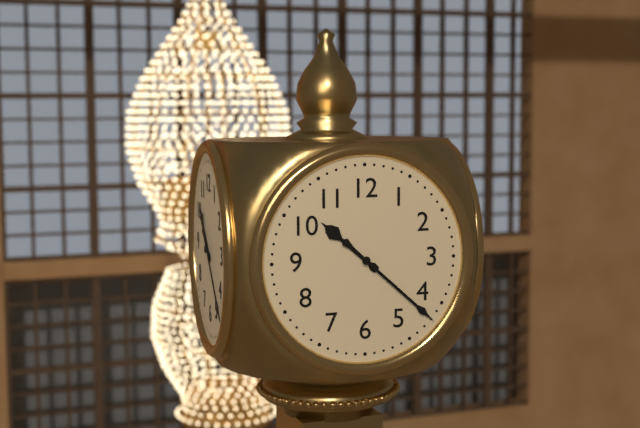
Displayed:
h=10 m=22
